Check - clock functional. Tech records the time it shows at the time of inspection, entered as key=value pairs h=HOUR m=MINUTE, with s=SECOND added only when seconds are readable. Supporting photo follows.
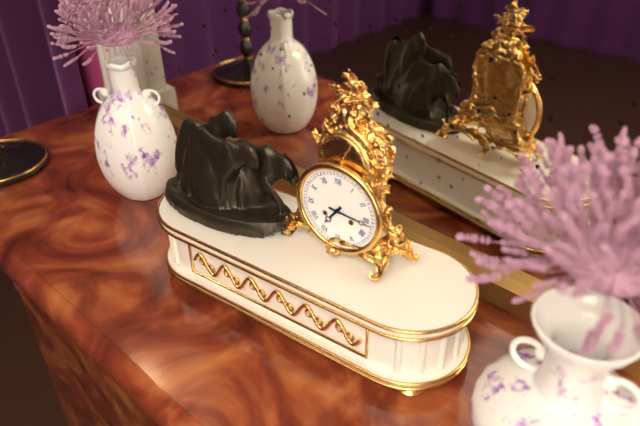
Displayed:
h=7 m=16
